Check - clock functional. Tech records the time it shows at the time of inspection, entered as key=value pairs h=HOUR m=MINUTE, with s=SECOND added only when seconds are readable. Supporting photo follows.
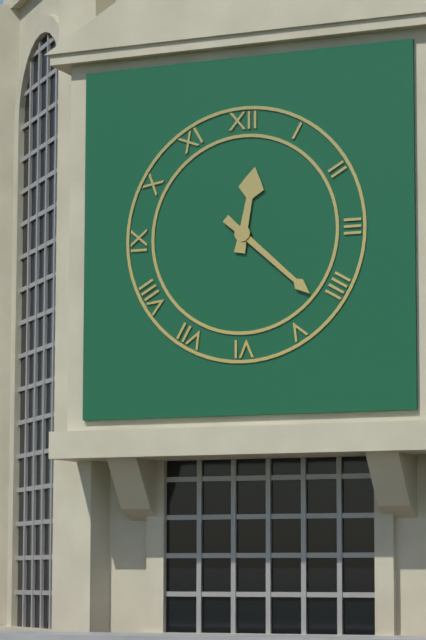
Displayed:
h=12 m=22
